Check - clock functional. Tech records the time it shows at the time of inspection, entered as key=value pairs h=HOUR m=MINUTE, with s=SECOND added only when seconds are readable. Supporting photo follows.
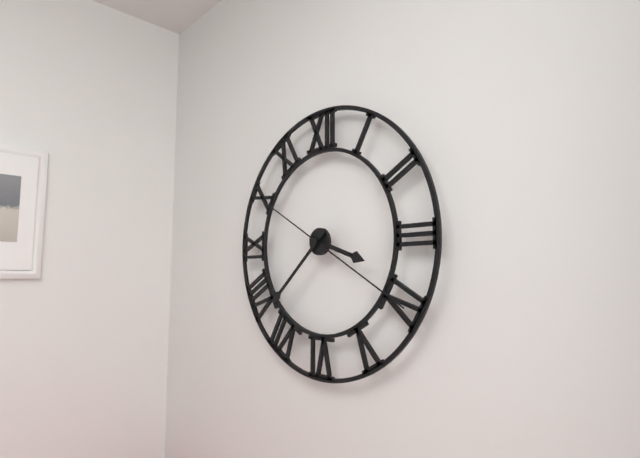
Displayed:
h=3 m=38 s=20
